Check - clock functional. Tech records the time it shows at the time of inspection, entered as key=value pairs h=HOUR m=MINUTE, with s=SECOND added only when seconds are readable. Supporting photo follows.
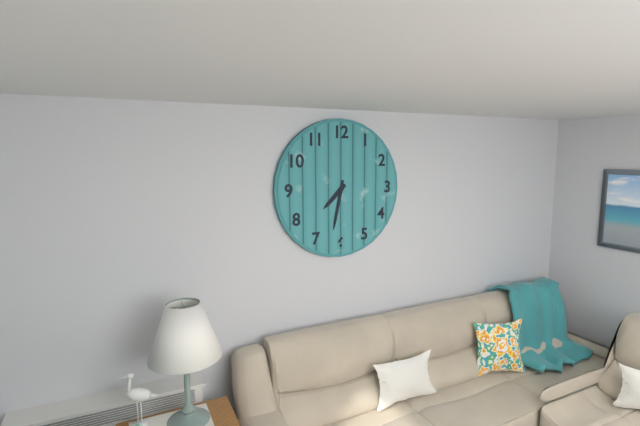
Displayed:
h=7 m=32
